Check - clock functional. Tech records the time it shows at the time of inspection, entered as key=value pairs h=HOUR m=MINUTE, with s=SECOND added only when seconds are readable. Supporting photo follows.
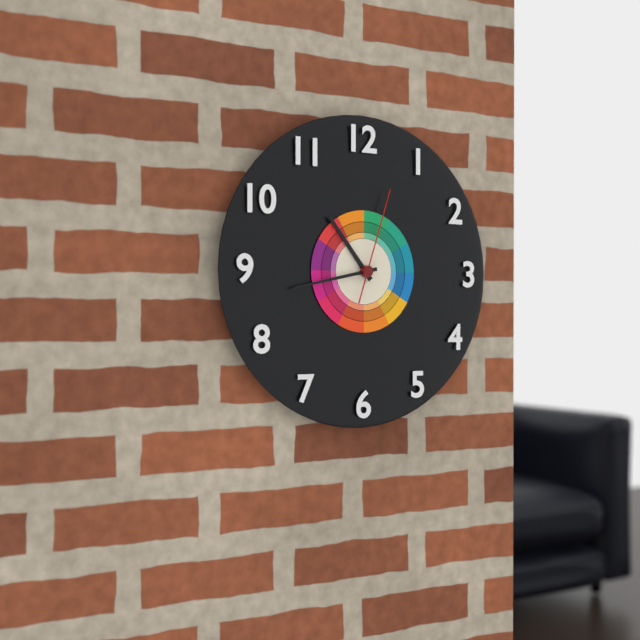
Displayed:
h=10 m=43 s=3
